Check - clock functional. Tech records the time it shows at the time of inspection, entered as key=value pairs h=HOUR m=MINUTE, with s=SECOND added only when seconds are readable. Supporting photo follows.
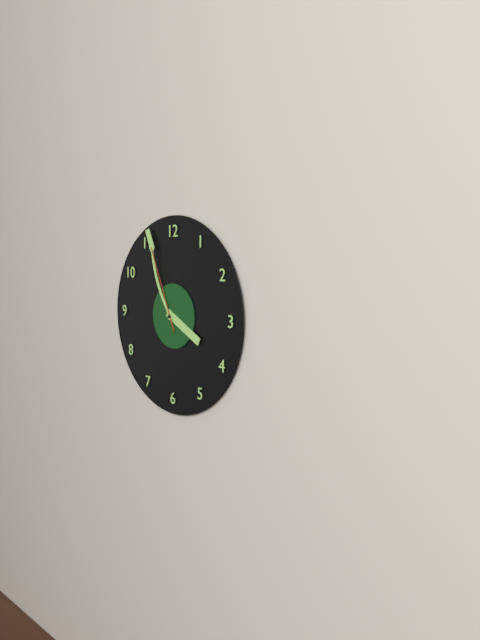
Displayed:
h=3 m=56 s=56
